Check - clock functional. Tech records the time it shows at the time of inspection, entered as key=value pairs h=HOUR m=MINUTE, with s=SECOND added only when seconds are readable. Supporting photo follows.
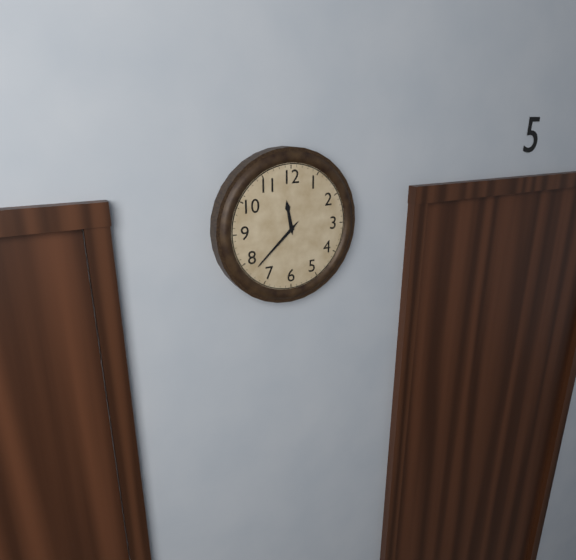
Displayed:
h=11 m=38
